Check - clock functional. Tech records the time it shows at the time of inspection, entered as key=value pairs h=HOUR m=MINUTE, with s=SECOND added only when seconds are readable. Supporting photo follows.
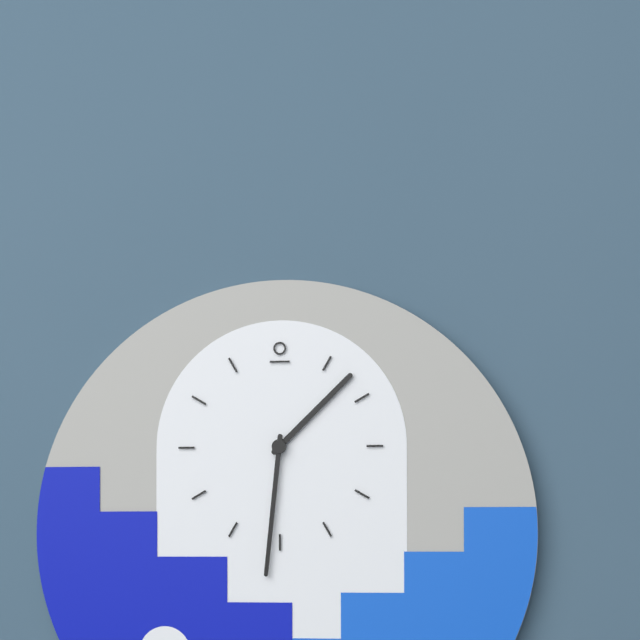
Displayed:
h=1 m=31
